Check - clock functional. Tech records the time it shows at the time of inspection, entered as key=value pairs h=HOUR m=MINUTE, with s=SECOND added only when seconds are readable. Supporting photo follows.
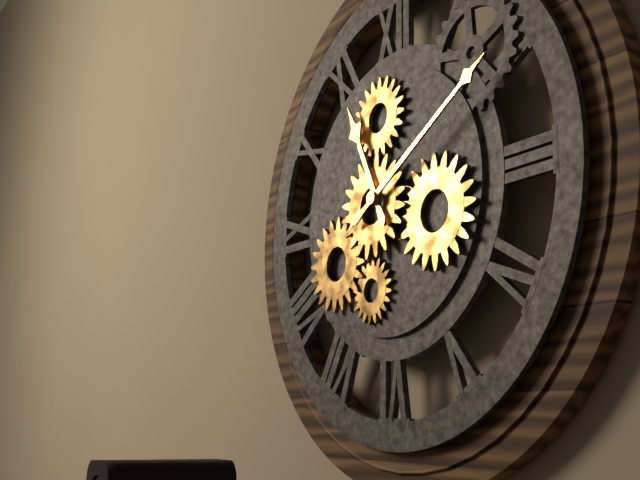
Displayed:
h=11 m=10
